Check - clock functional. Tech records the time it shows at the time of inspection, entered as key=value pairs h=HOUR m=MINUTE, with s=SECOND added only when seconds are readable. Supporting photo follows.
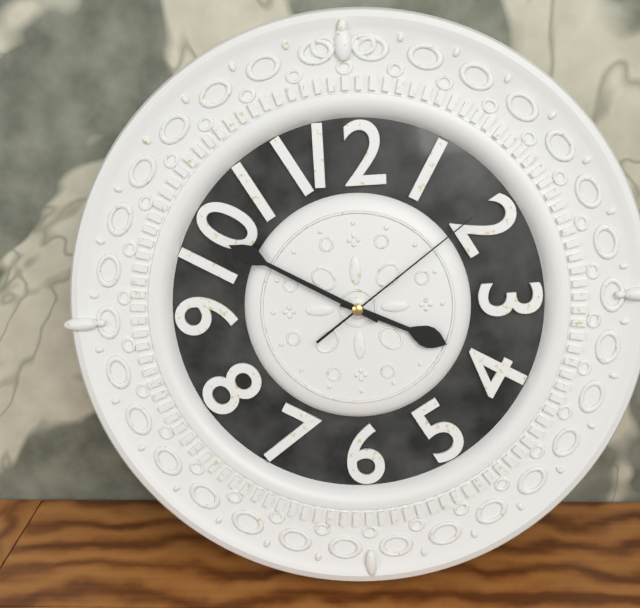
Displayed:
h=3 m=50 s=9
